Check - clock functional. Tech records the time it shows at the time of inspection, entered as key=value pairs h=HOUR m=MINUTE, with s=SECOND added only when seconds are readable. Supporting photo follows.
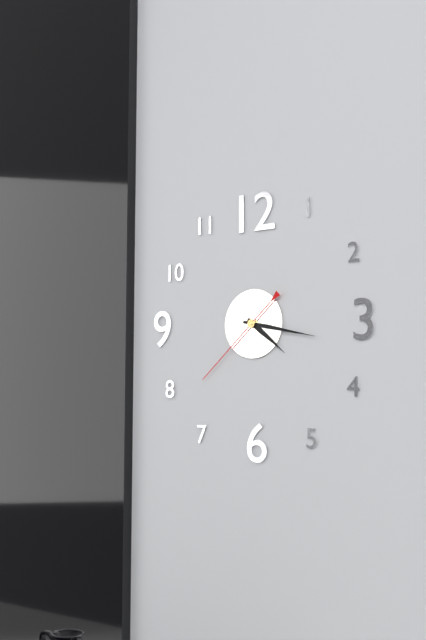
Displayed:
h=4 m=17 s=38
